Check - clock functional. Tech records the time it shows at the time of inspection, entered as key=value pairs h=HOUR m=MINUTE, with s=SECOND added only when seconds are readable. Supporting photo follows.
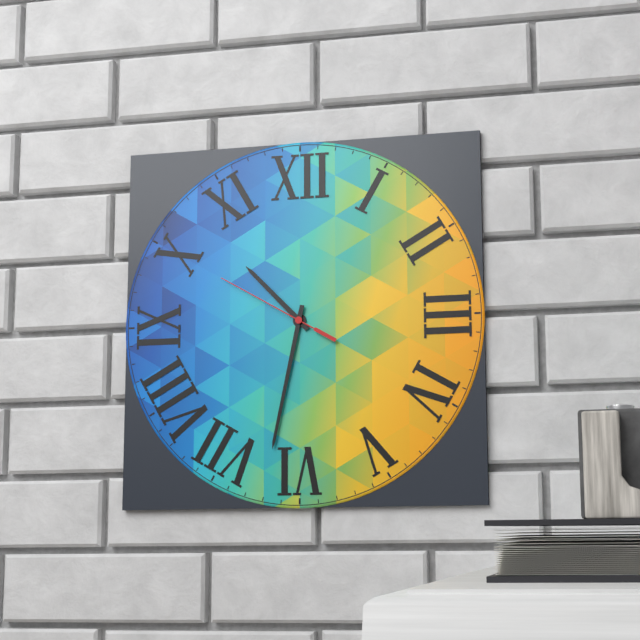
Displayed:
h=10 m=32 s=50
